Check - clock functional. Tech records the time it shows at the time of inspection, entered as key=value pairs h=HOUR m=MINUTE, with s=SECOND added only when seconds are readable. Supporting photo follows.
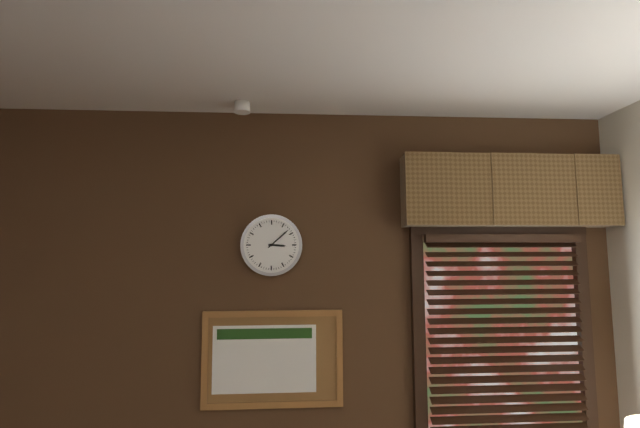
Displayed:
h=3 m=8
